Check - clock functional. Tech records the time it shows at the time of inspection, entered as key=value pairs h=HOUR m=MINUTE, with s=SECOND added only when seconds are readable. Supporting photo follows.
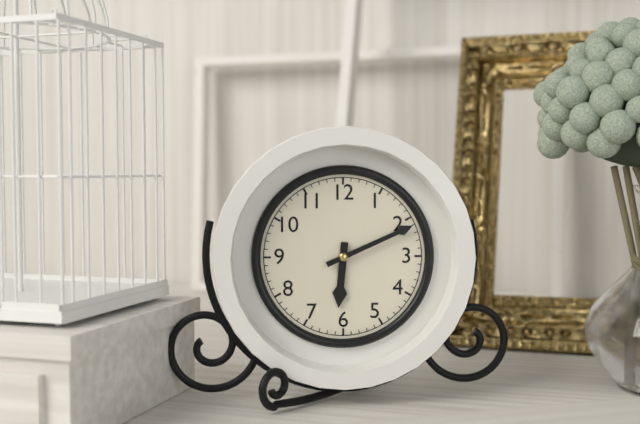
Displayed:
h=6 m=11
